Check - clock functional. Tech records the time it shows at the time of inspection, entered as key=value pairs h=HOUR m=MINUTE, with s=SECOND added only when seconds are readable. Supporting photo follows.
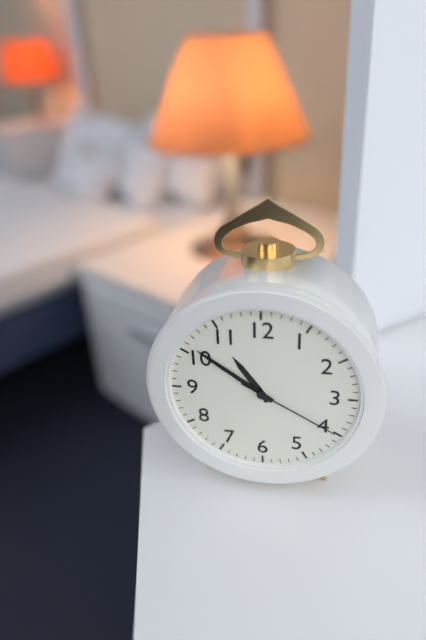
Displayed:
h=10 m=51 s=20
